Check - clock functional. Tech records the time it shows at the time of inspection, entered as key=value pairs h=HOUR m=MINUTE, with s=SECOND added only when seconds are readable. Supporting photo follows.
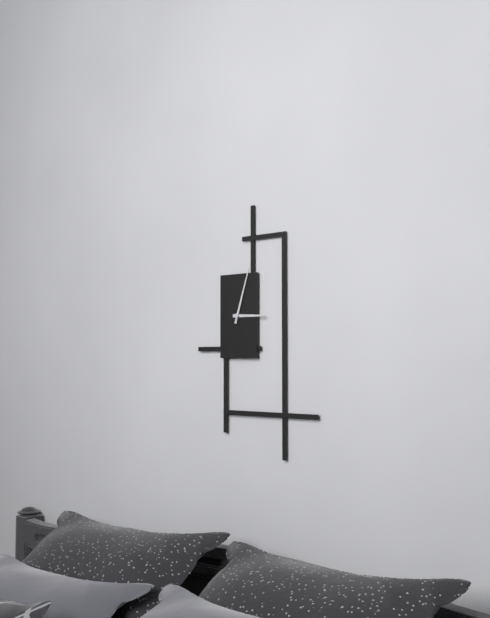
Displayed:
h=3 m=3
